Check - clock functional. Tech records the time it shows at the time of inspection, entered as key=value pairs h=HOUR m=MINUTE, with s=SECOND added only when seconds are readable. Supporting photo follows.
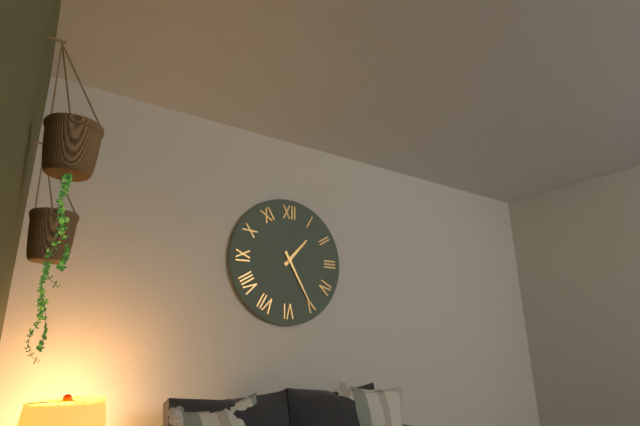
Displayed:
h=1 m=25
